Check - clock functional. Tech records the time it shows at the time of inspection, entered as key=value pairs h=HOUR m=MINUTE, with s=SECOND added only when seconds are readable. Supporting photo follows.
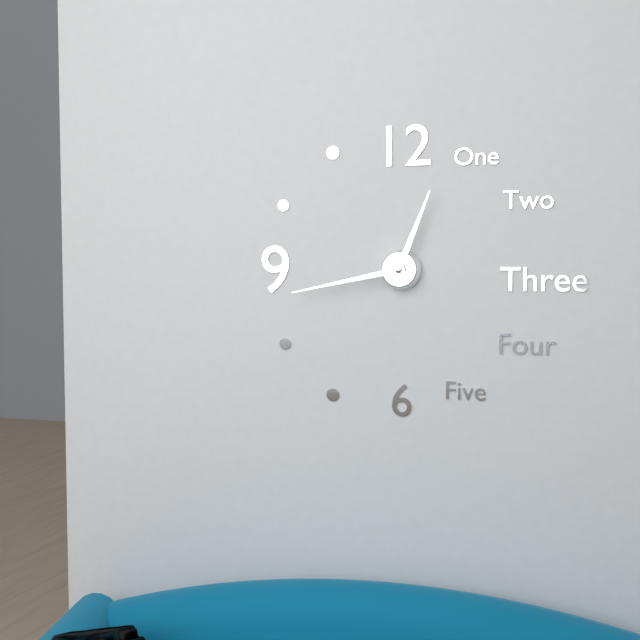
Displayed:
h=12 m=43
